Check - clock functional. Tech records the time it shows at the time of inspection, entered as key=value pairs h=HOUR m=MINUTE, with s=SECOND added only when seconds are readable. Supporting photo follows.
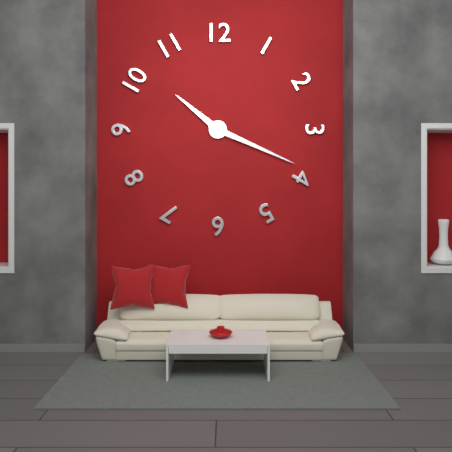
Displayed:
h=10 m=19
